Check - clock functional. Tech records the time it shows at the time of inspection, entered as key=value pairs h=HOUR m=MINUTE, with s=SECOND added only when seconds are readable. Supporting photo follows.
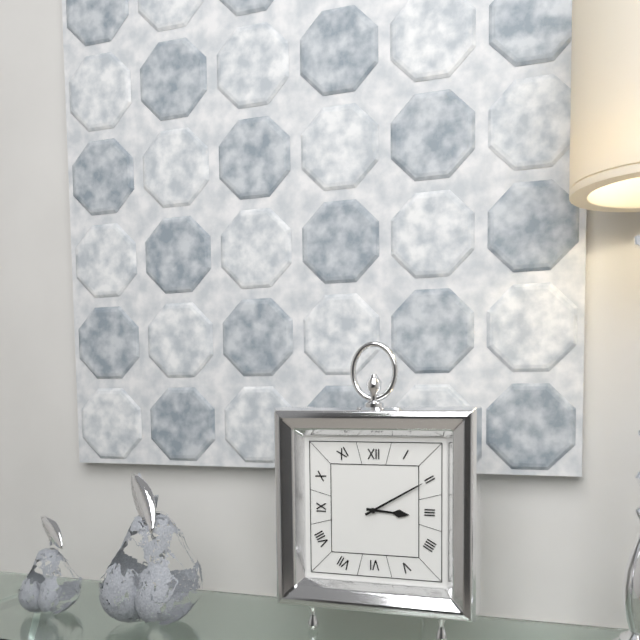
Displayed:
h=3 m=10
